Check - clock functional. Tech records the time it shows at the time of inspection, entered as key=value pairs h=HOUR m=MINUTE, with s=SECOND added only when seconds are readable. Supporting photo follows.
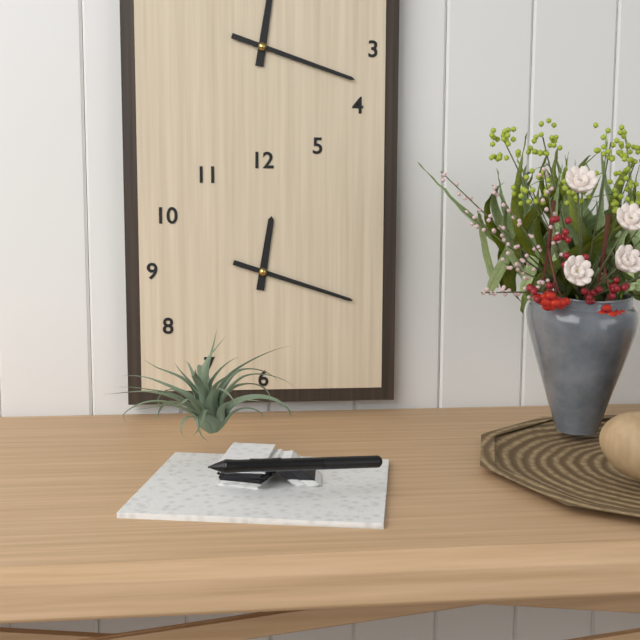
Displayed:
h=12 m=18
